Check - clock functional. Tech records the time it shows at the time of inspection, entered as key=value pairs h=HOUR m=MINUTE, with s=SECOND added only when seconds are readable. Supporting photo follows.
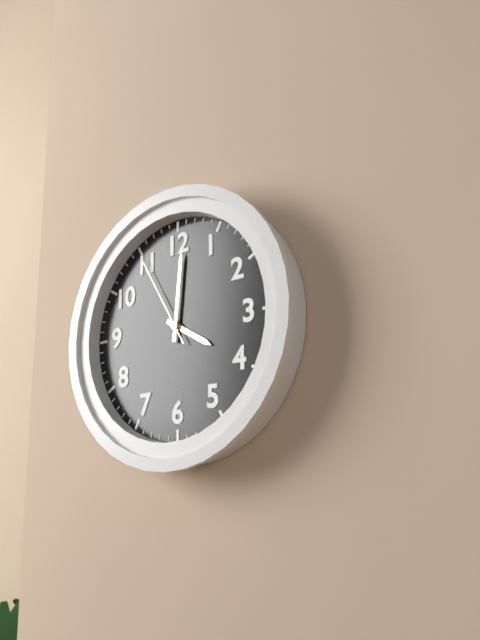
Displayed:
h=4 m=1 s=55
